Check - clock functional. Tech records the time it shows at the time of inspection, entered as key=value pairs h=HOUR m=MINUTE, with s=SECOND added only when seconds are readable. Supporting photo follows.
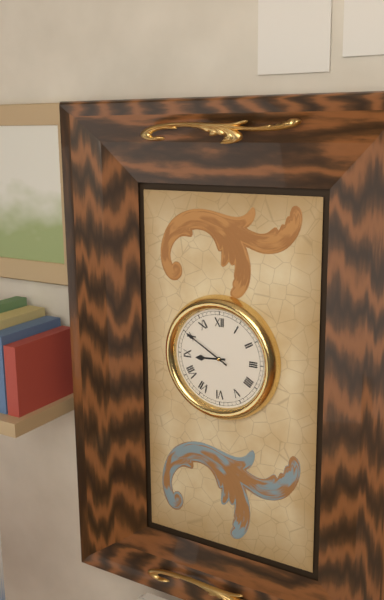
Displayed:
h=8 m=50
